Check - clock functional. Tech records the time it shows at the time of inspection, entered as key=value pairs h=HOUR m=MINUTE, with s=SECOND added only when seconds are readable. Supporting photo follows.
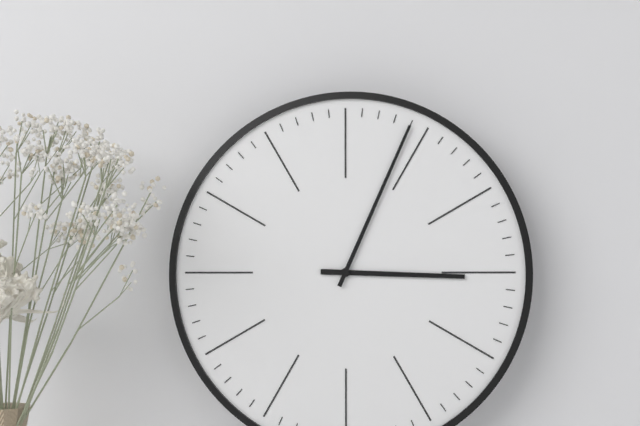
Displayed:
h=3 m=4
